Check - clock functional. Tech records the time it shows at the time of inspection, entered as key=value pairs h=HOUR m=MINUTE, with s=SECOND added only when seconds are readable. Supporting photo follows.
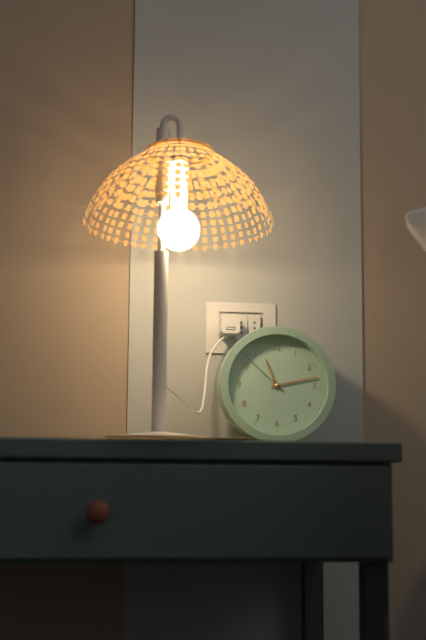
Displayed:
h=11 m=13 s=52
